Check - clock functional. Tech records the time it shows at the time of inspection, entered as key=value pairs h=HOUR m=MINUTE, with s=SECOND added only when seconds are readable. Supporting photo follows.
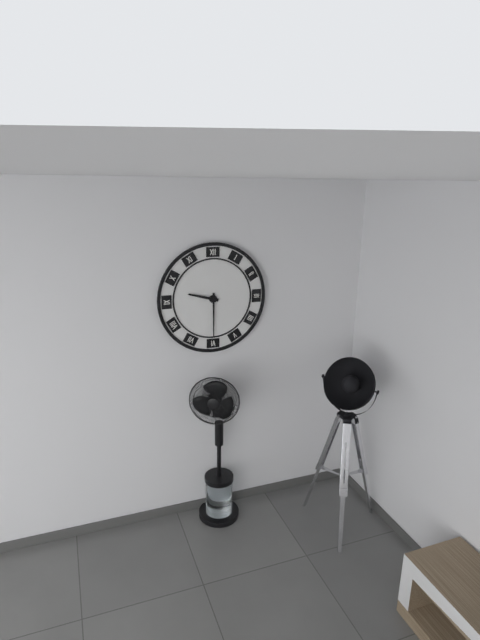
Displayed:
h=9 m=30
